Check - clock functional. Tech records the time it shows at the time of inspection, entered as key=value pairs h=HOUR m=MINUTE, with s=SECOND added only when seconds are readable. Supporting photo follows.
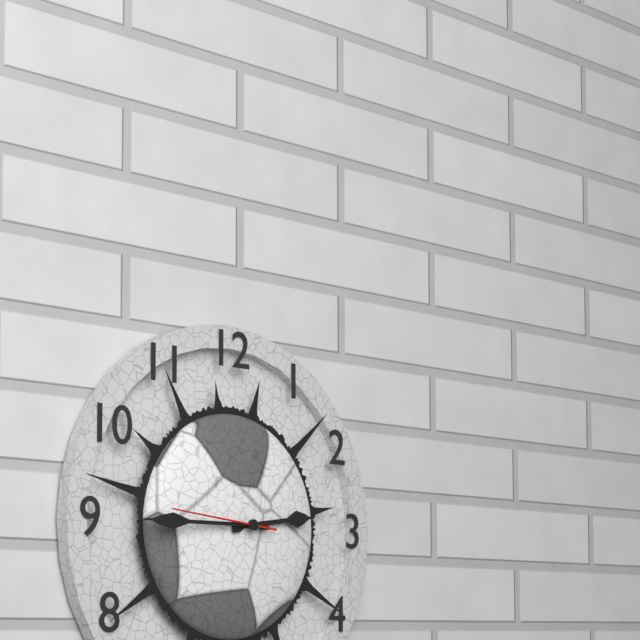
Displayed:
h=2 m=45 s=46
